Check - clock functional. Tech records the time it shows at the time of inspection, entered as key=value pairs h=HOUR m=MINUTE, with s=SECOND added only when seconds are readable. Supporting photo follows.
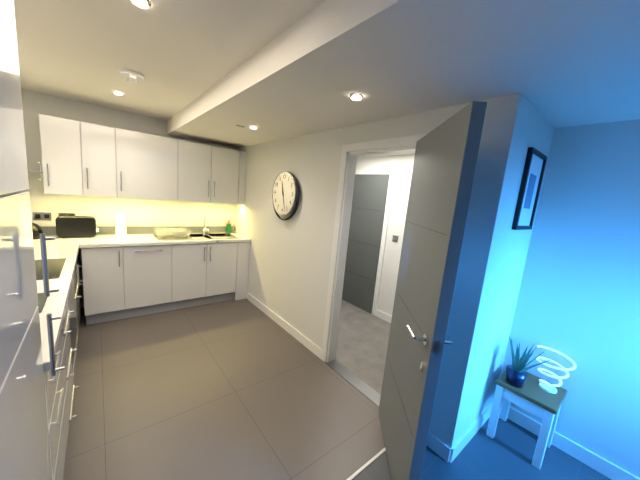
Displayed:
h=11 m=27
